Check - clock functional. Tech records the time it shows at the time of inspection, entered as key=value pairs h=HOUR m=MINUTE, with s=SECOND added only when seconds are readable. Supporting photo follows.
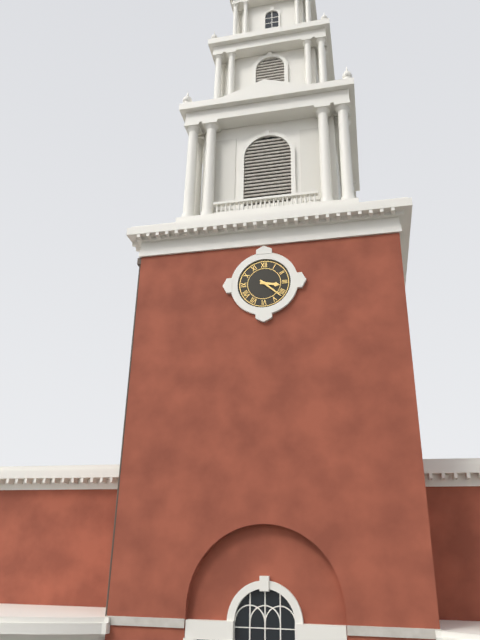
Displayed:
h=3 m=22
